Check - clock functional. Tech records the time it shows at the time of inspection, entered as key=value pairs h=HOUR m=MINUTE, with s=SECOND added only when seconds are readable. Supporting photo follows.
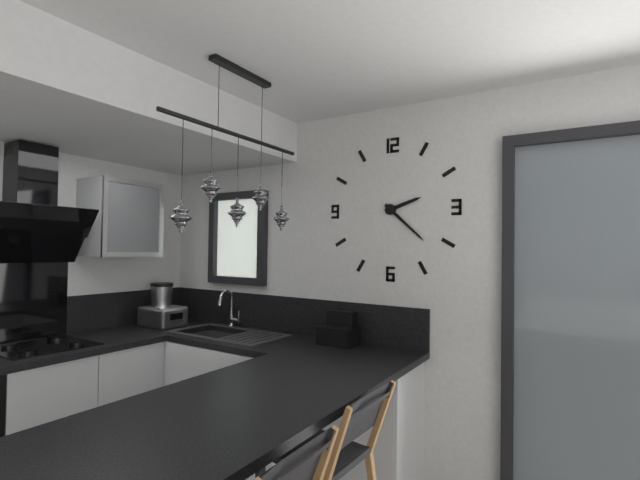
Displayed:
h=2 m=22
